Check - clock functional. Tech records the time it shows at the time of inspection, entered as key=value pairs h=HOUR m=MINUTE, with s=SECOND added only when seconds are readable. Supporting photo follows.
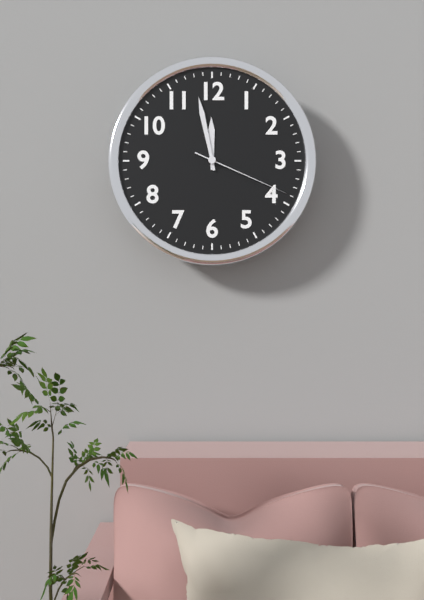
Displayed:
h=11 m=58 s=19
